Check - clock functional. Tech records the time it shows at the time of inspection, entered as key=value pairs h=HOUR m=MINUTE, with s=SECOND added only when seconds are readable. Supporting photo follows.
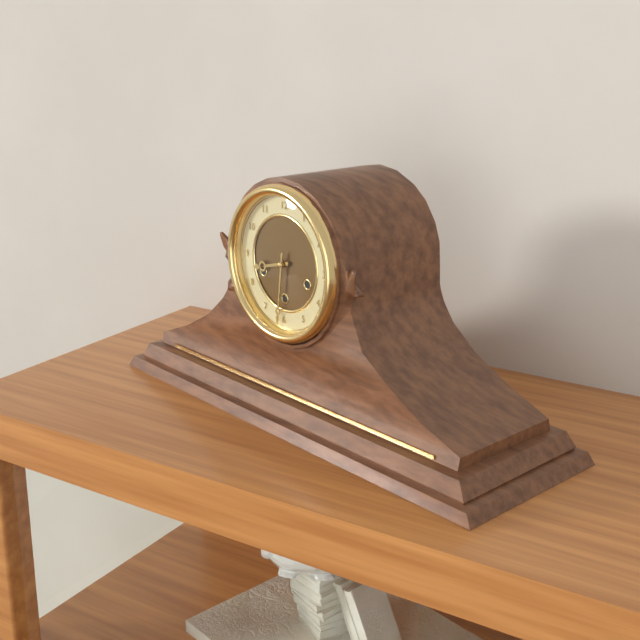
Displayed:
h=8 m=31
